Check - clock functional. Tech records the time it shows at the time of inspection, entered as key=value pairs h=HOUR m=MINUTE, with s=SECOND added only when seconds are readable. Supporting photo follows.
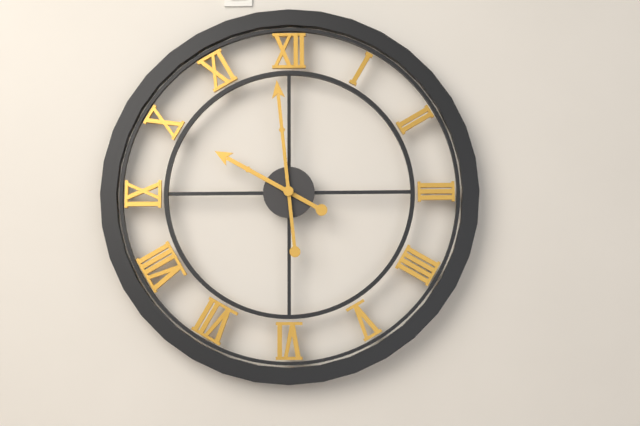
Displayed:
h=9 m=59
